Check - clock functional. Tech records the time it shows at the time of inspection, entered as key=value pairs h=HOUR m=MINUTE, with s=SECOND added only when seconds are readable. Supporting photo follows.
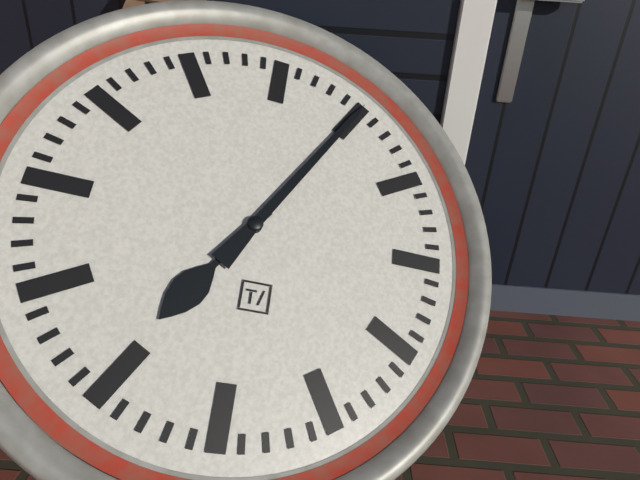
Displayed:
h=7 m=5
